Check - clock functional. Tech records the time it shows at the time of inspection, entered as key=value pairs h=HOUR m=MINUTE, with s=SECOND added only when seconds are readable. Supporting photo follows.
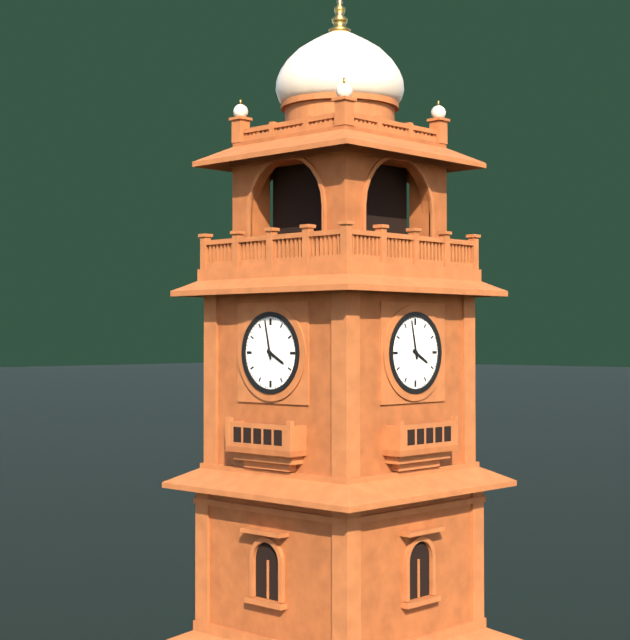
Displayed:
h=3 m=58
